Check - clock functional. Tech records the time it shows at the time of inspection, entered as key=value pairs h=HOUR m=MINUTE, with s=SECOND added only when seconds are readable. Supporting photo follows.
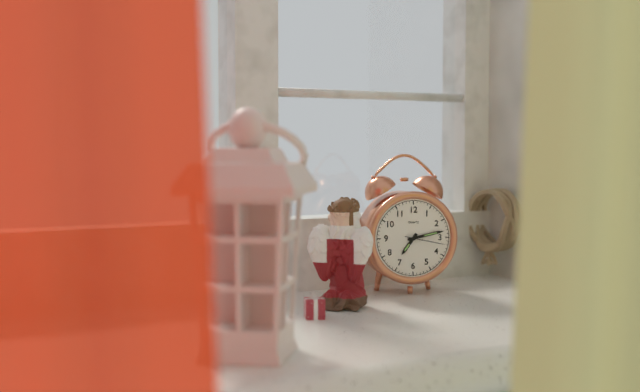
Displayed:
h=7 m=13 s=17
